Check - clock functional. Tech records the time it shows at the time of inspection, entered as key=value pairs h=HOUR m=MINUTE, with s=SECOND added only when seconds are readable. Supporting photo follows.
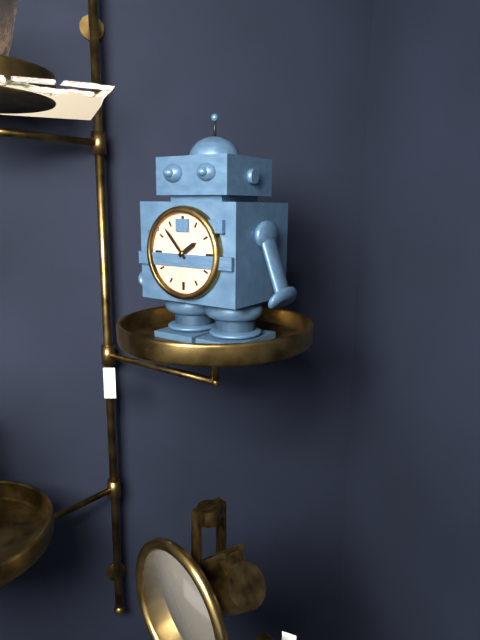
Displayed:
h=1 m=53
